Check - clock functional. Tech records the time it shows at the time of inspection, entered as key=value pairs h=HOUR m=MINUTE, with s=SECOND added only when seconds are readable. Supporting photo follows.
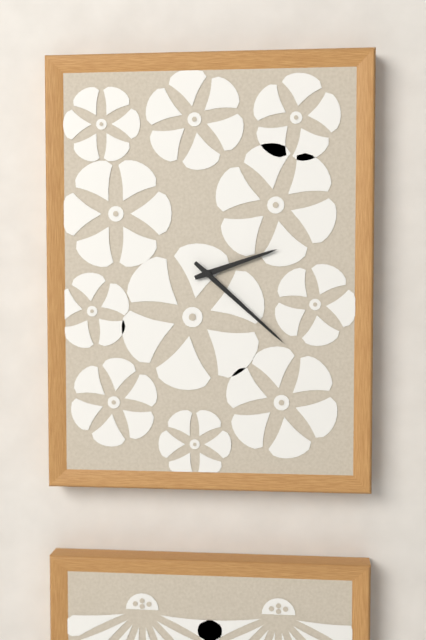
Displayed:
h=2 m=22
